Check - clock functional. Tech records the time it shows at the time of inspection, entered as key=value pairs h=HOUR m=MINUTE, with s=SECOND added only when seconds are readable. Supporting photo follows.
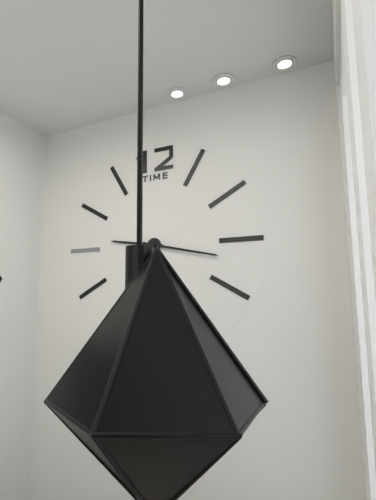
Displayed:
h=9 m=17
